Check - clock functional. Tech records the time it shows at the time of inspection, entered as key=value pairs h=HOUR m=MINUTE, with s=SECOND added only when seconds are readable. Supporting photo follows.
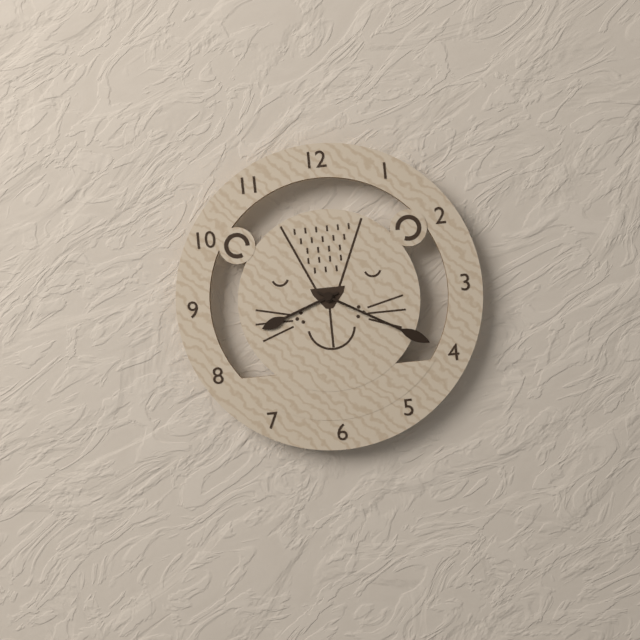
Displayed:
h=8 m=20
